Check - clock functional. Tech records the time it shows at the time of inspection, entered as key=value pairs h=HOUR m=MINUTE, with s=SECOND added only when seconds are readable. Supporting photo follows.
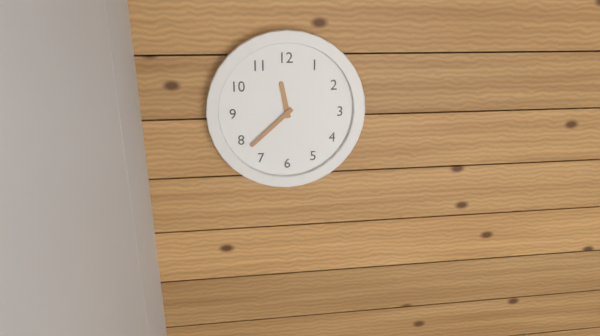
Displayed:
h=11 m=38
